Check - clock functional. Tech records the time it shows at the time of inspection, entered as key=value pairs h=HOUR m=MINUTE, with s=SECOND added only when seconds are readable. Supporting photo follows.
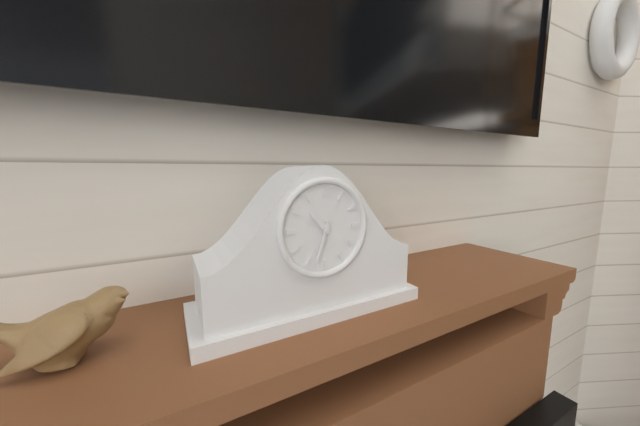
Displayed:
h=10 m=33
